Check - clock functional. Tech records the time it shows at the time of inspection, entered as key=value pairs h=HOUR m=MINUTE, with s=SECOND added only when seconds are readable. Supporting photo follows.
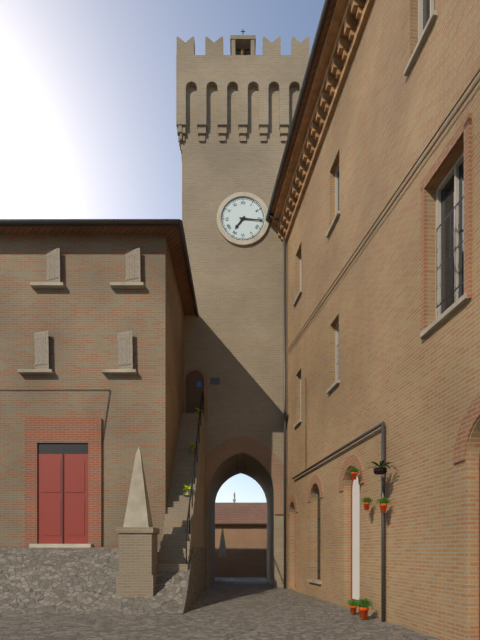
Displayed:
h=7 m=16
